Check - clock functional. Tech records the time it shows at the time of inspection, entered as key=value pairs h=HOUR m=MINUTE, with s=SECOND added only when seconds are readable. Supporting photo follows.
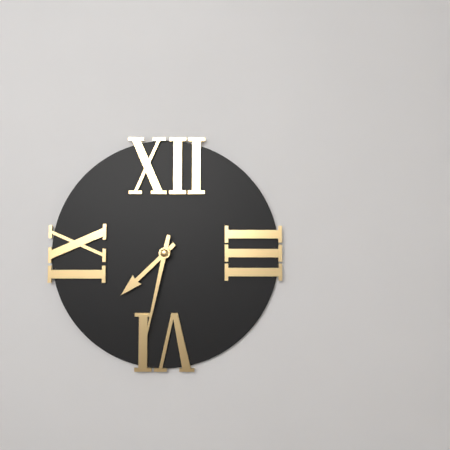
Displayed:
h=7 m=32
